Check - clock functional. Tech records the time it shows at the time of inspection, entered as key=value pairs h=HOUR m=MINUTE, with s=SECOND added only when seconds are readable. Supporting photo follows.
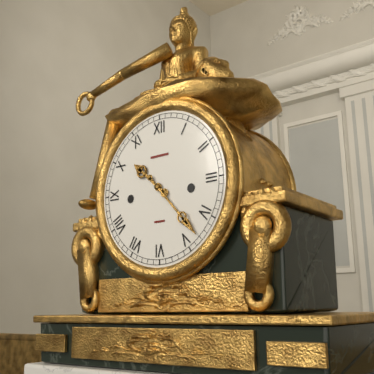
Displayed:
h=10 m=23
